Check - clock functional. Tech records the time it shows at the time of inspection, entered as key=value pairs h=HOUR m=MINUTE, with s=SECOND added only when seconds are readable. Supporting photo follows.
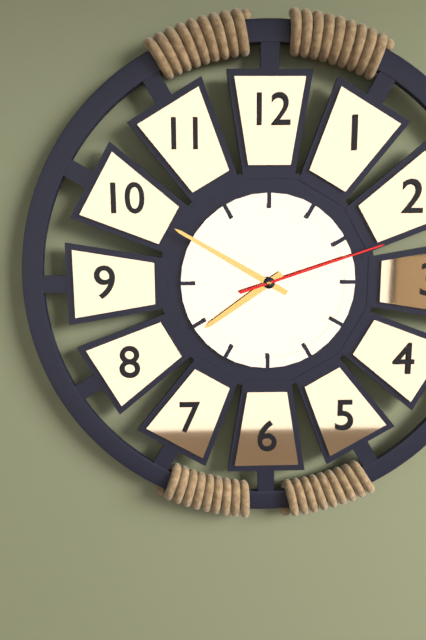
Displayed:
h=7 m=50 s=12
